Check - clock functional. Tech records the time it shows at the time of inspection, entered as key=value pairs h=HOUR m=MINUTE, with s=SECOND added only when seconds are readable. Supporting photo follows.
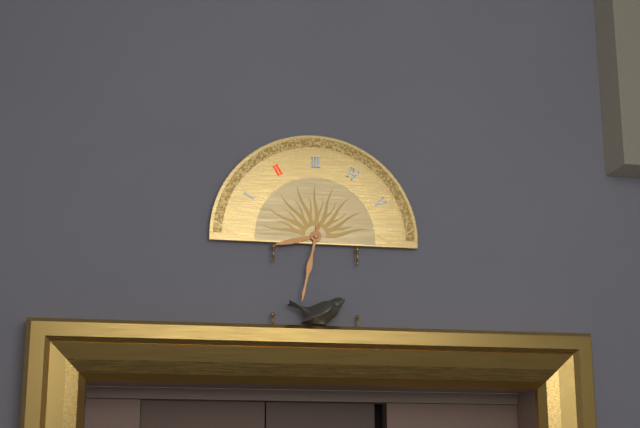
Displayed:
h=8 m=32
